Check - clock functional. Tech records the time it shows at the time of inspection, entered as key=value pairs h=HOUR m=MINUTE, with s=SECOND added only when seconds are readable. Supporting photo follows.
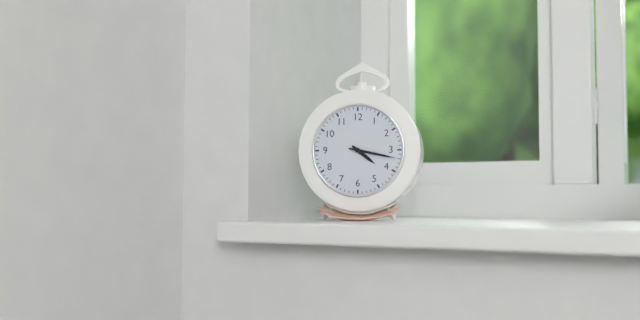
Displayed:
h=4 m=17
